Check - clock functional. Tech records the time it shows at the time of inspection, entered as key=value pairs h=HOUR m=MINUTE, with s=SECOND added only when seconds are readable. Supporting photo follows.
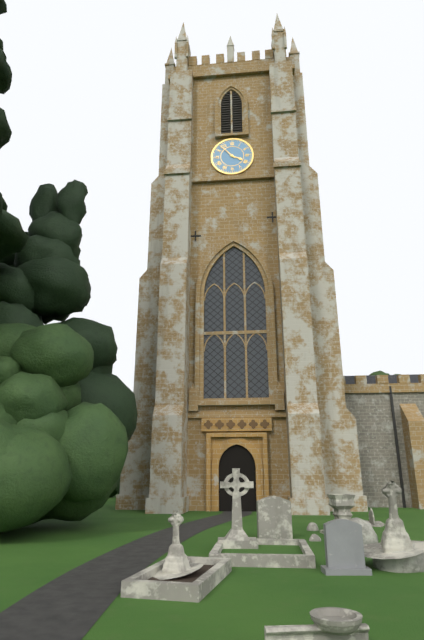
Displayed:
h=3 m=53
